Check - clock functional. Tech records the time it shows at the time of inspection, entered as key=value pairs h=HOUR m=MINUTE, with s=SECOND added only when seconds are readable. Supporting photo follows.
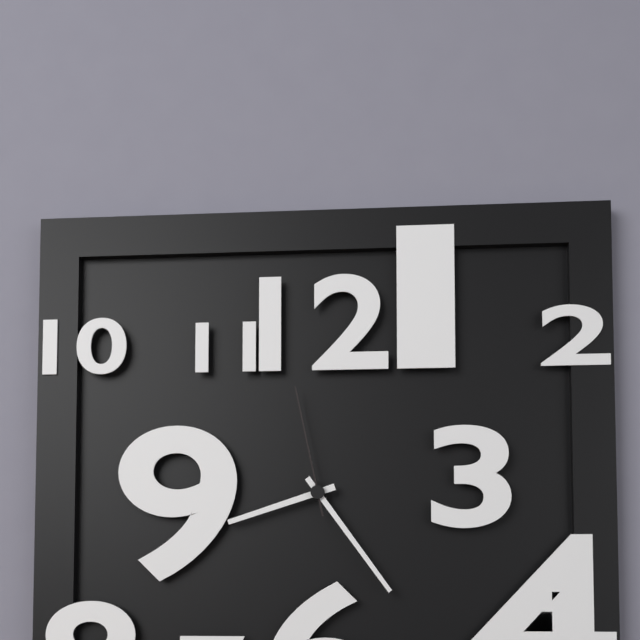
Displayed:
h=8 m=24 s=58
